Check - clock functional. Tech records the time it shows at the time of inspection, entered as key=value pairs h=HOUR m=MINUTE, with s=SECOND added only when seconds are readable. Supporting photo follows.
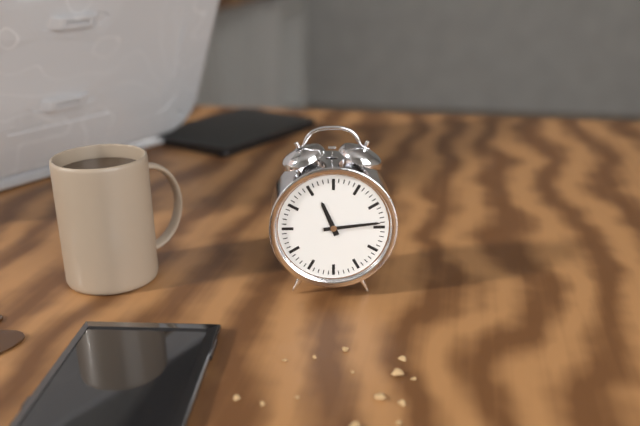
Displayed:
h=11 m=14
